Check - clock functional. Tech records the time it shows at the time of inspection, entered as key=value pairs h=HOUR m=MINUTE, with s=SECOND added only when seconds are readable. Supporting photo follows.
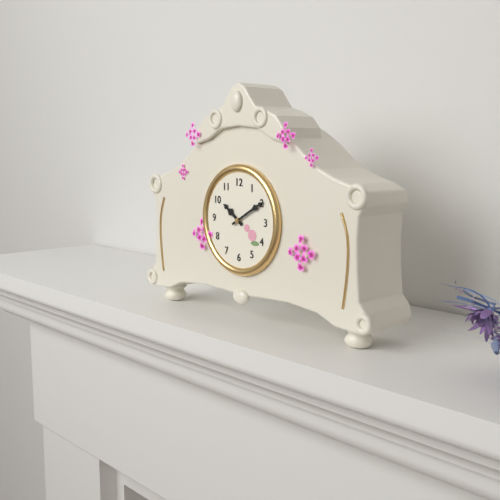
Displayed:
h=10 m=10
